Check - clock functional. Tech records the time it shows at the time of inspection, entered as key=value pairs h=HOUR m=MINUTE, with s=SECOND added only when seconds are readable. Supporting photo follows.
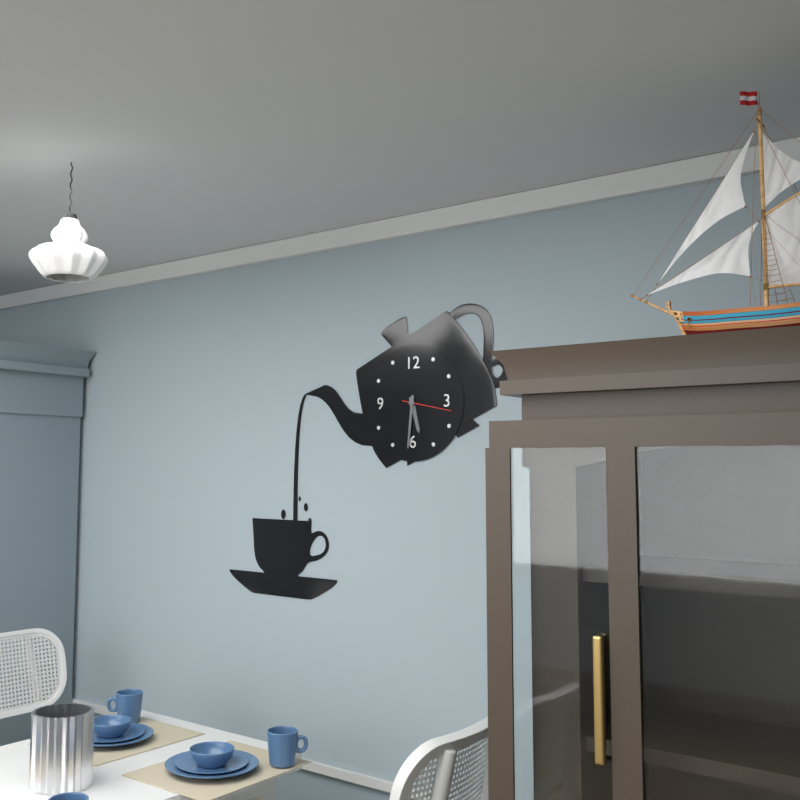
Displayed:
h=5 m=31 s=17
